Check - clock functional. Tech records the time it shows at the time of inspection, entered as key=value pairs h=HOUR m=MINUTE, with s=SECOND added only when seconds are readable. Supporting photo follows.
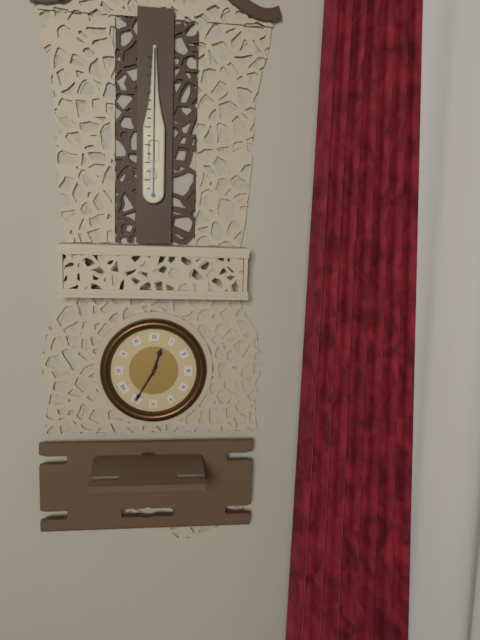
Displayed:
h=12 m=35
